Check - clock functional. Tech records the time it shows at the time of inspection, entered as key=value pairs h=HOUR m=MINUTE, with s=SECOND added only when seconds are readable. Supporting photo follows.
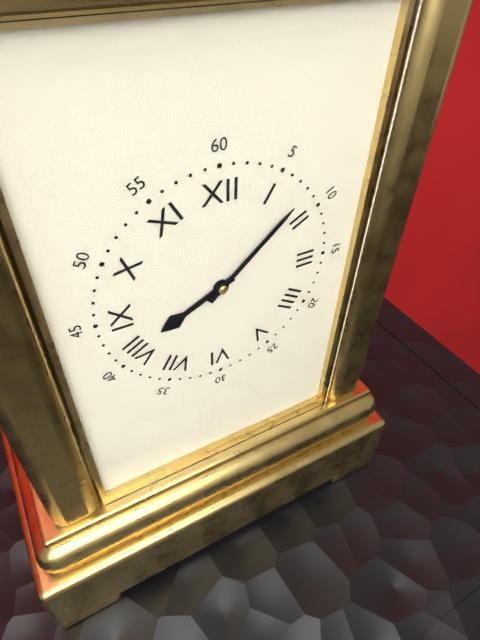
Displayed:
h=8 m=8
